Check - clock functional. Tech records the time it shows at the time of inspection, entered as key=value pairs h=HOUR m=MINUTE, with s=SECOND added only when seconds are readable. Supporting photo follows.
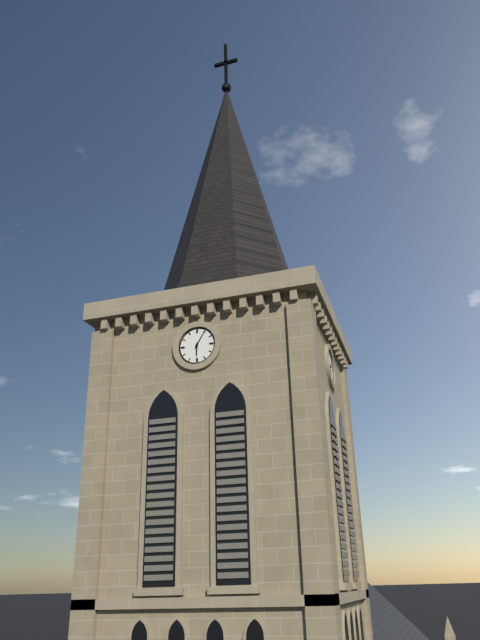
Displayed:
h=6 m=5
